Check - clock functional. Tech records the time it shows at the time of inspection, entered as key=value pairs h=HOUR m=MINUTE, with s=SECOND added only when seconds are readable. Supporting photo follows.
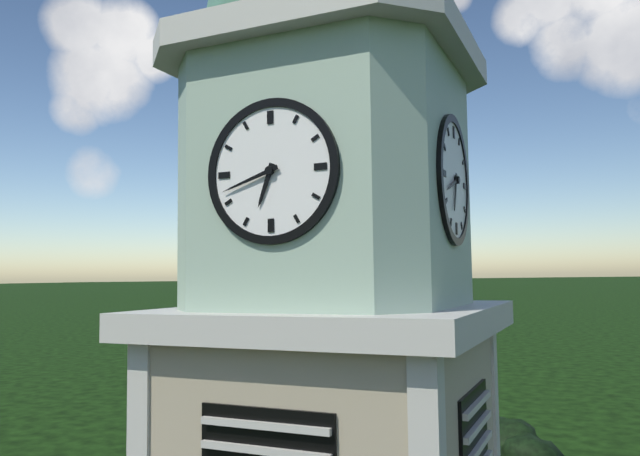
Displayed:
h=6 m=42
